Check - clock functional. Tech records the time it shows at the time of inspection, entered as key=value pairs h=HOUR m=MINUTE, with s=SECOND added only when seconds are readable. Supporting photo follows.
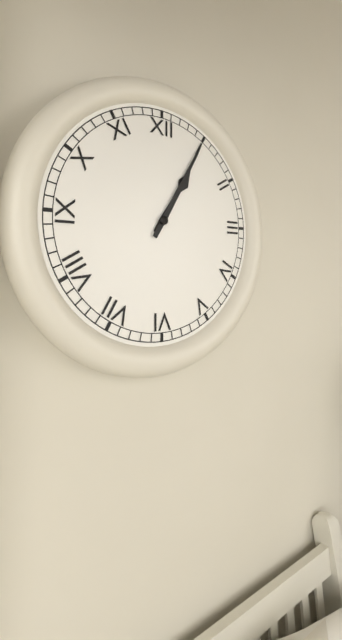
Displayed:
h=1 m=5
